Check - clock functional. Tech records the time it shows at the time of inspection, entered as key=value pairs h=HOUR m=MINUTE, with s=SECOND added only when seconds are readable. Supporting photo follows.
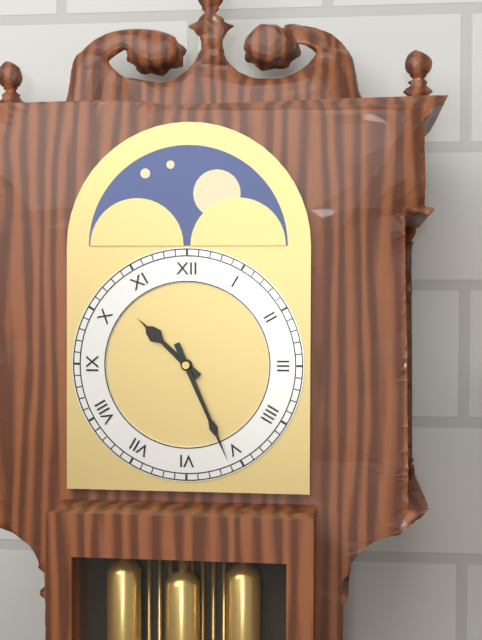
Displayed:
h=10 m=26
